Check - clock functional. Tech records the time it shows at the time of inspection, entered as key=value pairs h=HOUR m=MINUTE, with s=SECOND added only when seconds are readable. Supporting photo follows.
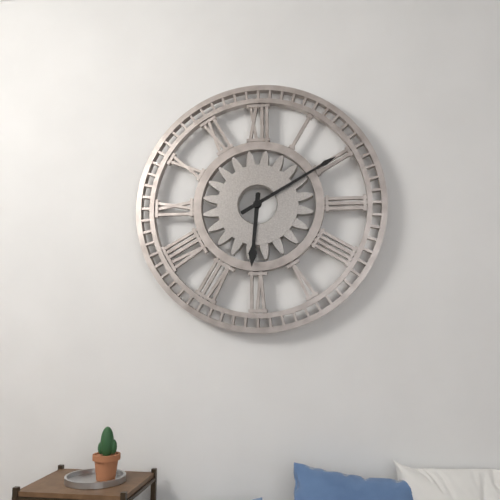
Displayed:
h=6 m=10
